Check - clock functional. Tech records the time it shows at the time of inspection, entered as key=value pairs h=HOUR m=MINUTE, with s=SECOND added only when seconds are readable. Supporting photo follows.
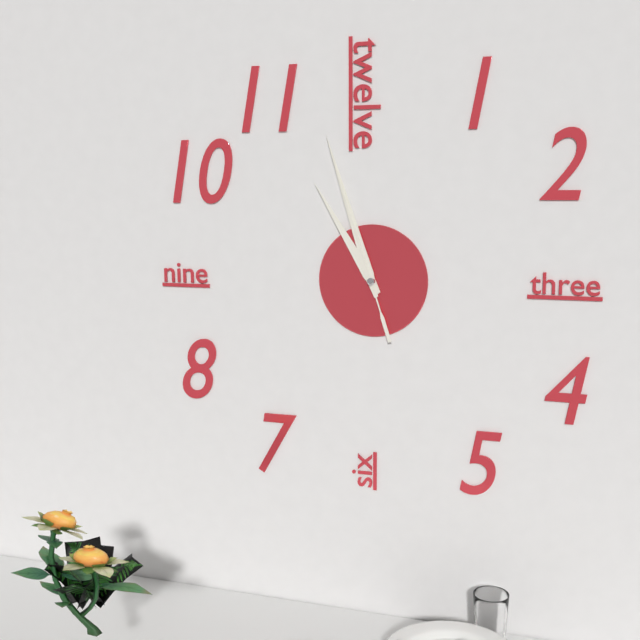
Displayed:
h=10 m=57 s=57
